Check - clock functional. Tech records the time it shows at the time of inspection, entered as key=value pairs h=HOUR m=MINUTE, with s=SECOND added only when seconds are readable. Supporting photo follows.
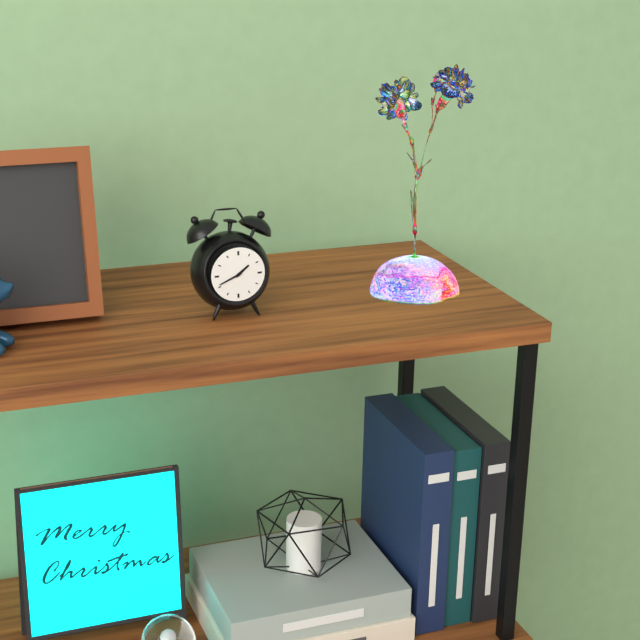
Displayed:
h=1 m=41
